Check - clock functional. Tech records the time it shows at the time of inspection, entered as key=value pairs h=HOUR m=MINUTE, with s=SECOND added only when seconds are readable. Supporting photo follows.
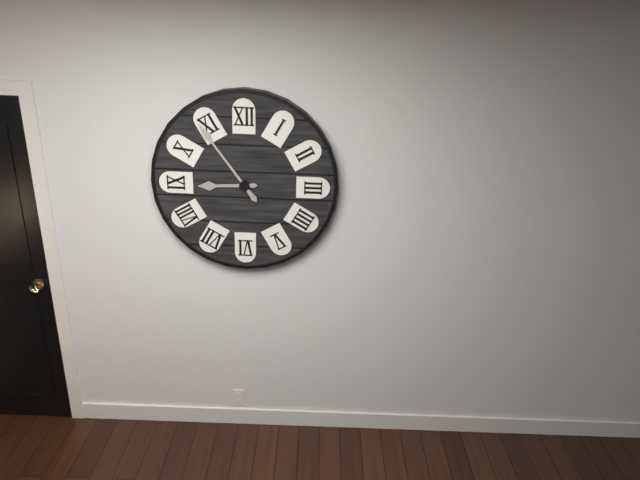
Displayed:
h=8 m=54
